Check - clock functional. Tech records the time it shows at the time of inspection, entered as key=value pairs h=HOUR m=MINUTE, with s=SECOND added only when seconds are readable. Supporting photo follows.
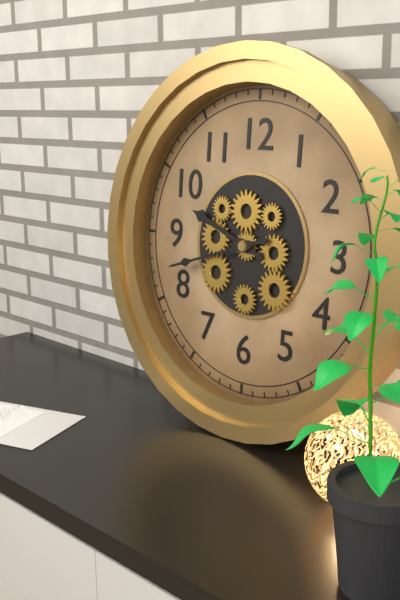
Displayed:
h=9 m=42
